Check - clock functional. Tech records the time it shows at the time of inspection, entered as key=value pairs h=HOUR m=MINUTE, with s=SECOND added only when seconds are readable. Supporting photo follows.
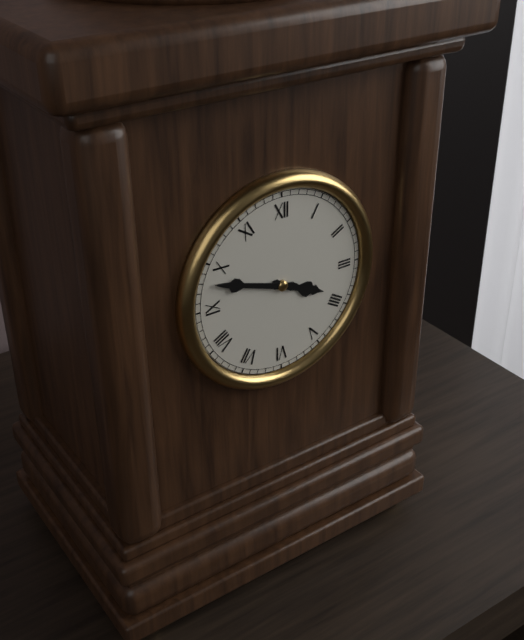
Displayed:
h=3 m=48
